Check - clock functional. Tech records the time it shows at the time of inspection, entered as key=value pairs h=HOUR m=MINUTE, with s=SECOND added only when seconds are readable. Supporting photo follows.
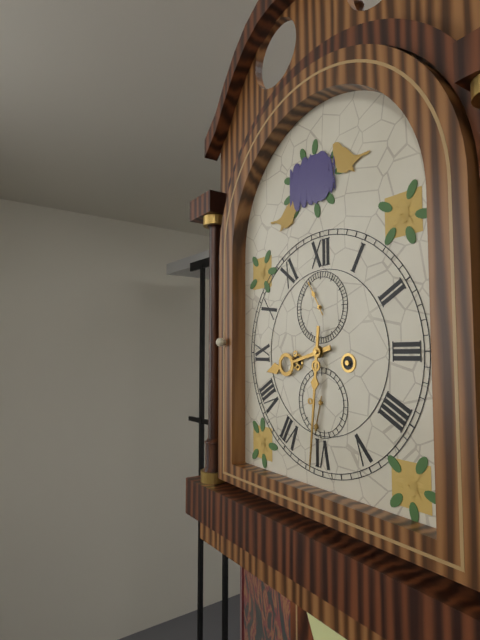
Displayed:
h=8 m=31
